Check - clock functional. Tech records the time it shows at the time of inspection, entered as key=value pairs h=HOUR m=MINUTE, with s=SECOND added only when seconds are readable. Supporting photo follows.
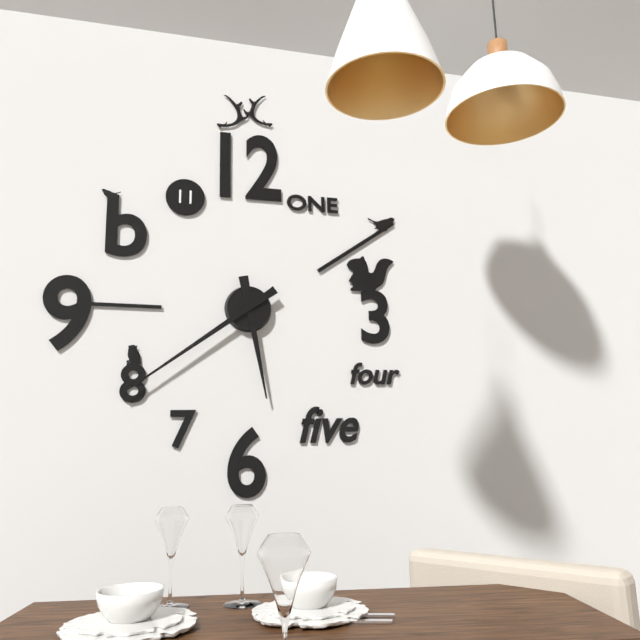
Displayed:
h=5 m=39
